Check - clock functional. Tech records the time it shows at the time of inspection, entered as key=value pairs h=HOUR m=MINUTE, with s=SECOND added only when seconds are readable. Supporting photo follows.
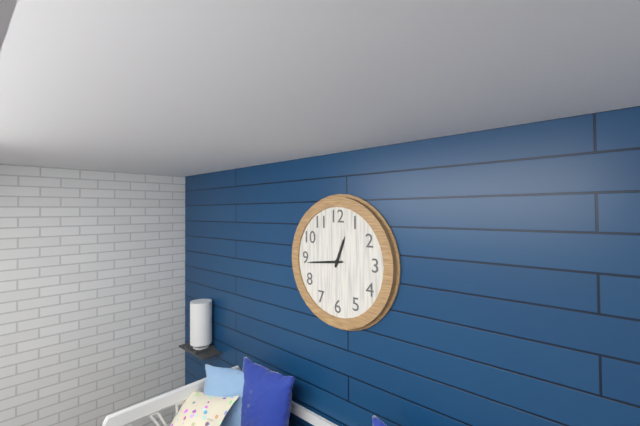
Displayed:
h=12 m=44
